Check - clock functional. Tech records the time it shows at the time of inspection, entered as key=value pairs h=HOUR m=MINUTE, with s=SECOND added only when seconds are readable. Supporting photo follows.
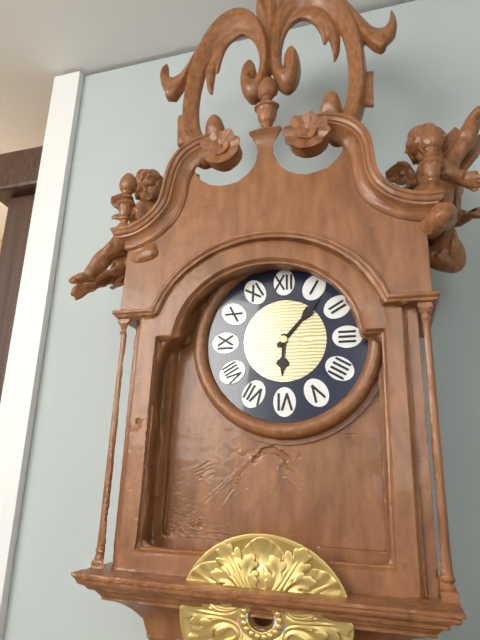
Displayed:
h=6 m=7
